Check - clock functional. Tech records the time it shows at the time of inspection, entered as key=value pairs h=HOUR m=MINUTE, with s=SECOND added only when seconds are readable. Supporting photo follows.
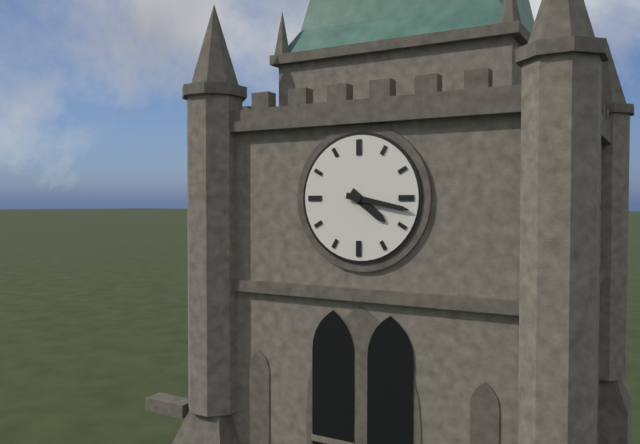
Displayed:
h=4 m=17
